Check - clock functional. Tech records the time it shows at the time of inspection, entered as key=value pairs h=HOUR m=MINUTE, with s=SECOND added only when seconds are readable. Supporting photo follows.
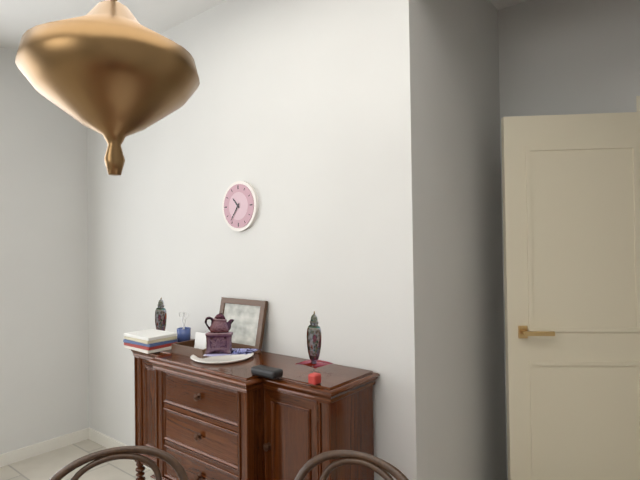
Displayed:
h=10 m=36
